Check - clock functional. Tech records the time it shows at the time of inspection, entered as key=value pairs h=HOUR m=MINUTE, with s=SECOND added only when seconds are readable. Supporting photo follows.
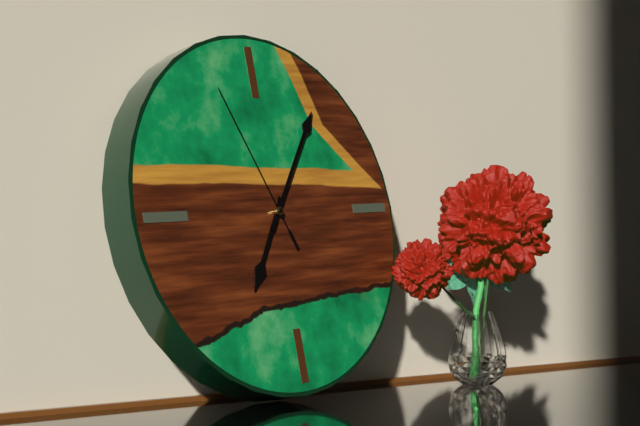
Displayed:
h=7 m=6 s=56
